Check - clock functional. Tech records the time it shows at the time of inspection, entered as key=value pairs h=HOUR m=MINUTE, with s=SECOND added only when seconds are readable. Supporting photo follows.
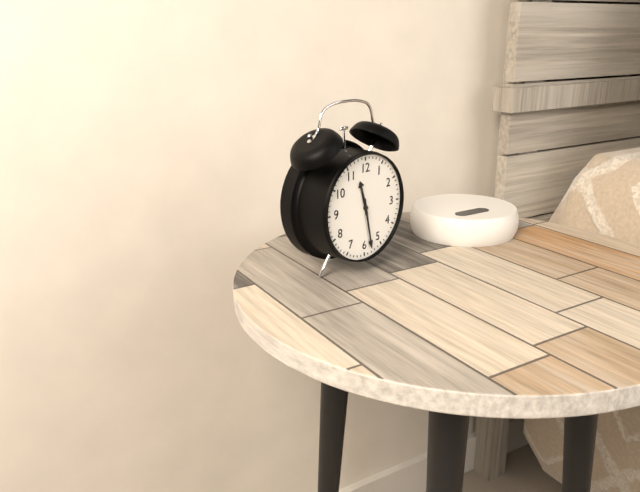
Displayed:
h=11 m=28
